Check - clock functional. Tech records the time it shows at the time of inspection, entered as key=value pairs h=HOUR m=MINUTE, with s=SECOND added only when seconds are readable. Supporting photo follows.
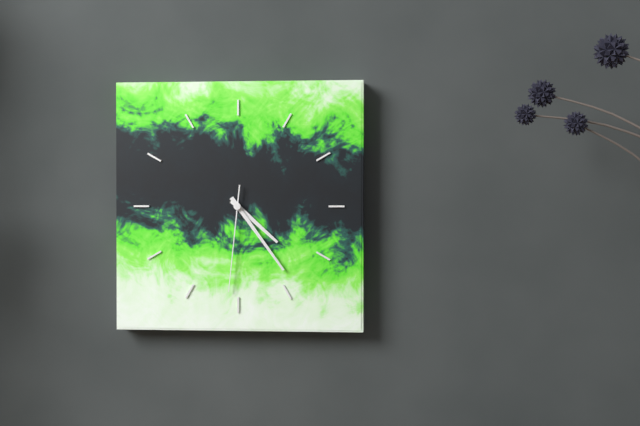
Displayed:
h=4 m=24 s=31
